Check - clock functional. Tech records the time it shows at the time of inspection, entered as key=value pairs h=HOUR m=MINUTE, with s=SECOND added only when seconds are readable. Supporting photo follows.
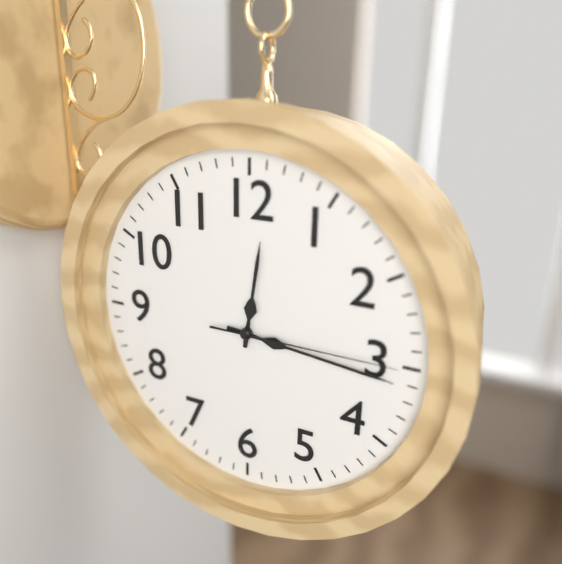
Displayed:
h=12 m=16 s=15
